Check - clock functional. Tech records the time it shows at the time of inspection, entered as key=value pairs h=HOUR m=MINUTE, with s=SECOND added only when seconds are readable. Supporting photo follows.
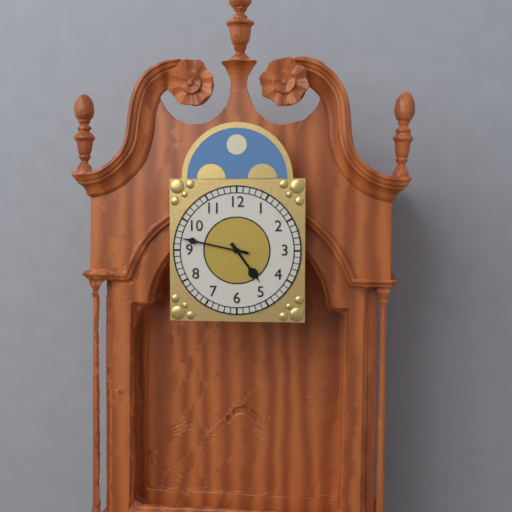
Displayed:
h=4 m=47
